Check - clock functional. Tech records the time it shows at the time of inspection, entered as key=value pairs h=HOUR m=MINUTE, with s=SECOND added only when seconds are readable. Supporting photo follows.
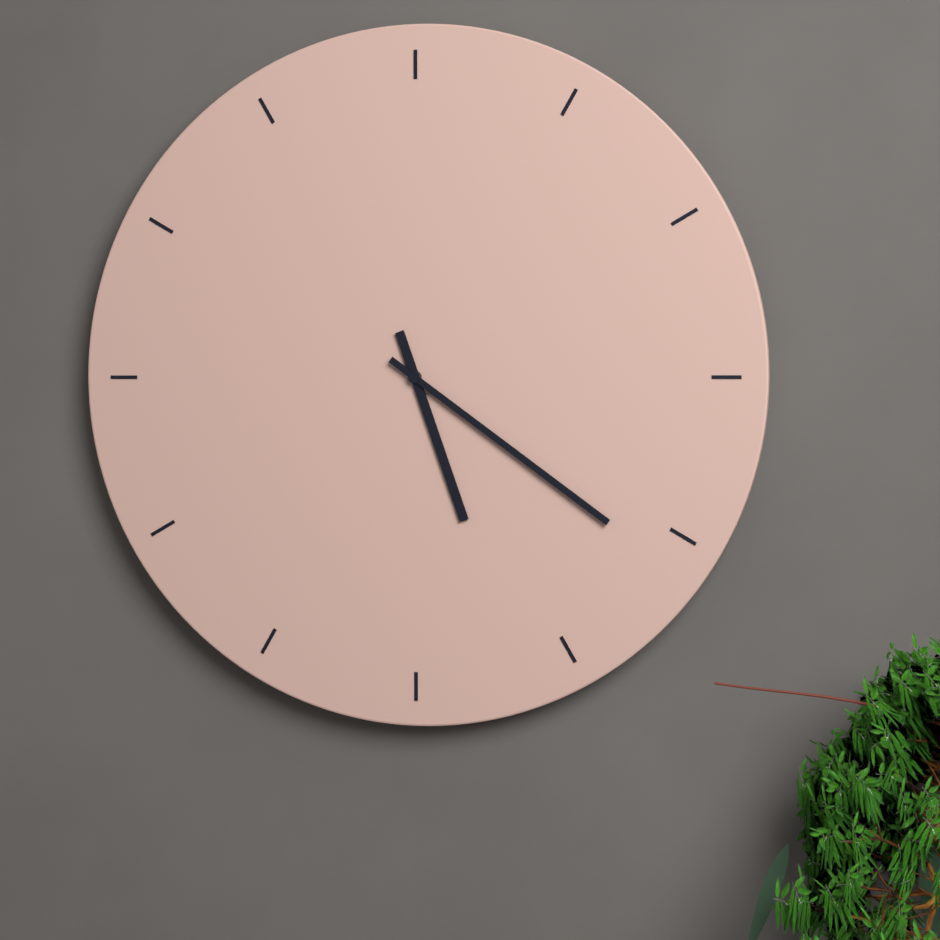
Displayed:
h=5 m=21
